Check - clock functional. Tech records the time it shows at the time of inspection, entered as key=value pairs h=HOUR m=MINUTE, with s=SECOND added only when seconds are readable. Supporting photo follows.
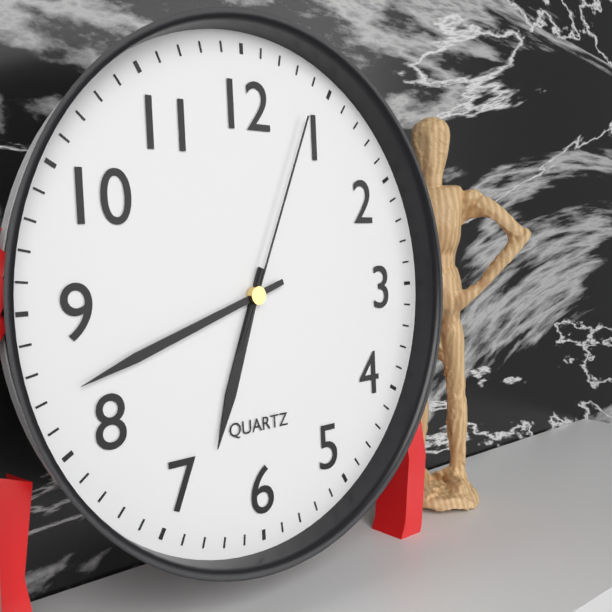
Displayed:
h=6 m=42 s=4
